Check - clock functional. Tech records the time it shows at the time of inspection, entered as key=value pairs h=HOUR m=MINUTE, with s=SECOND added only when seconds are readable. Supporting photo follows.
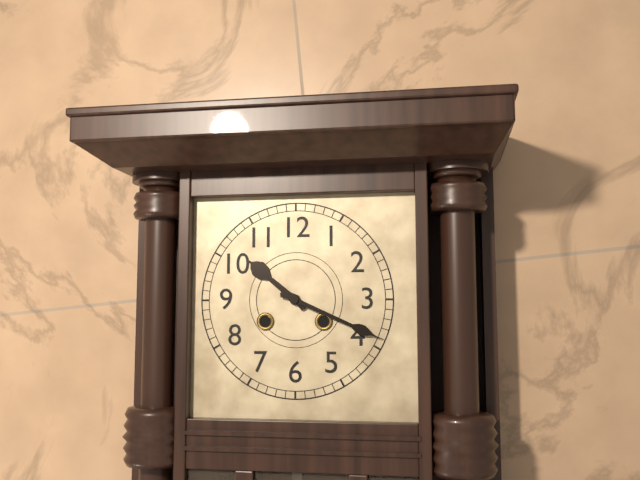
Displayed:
h=10 m=19
